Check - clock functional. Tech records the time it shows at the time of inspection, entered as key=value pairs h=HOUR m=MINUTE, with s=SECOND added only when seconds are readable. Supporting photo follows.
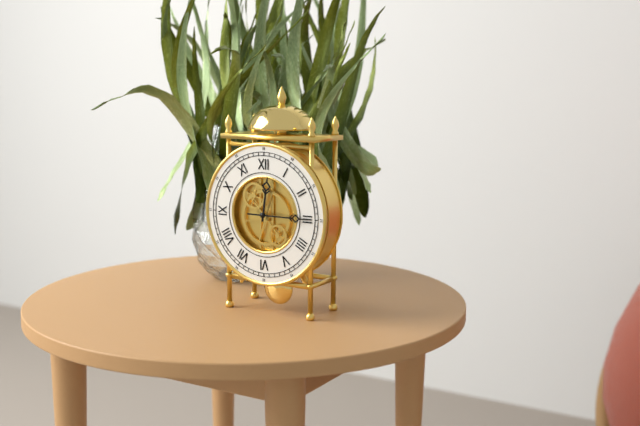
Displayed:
h=12 m=15
